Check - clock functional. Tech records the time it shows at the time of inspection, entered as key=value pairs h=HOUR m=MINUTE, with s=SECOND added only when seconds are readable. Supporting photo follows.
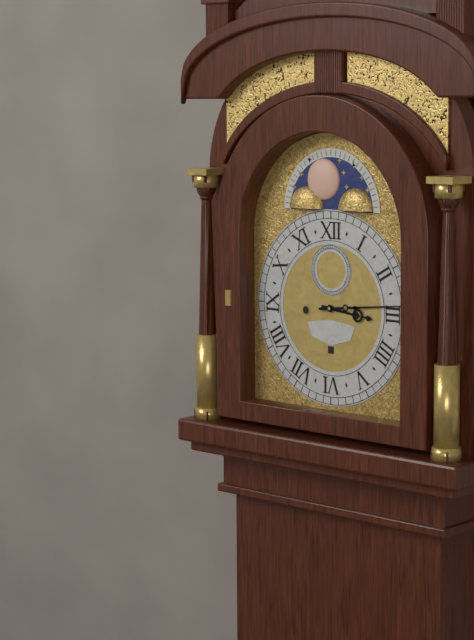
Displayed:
h=3 m=14
